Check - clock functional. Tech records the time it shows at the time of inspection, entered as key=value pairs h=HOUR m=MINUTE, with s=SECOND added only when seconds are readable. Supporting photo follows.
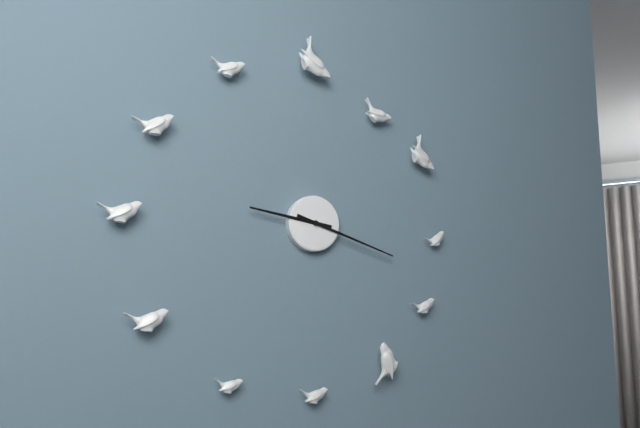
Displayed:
h=9 m=18
